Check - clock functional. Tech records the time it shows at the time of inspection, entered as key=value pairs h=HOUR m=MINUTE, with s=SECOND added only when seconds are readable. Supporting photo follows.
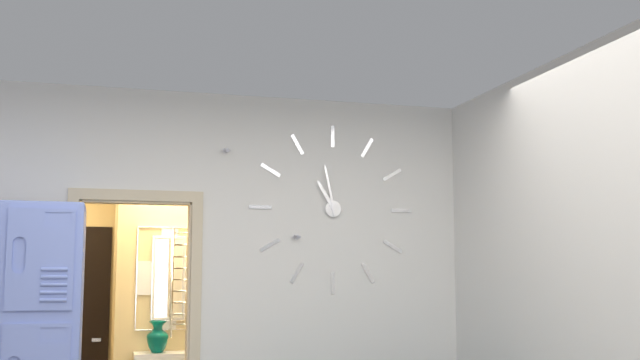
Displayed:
h=10 m=58
